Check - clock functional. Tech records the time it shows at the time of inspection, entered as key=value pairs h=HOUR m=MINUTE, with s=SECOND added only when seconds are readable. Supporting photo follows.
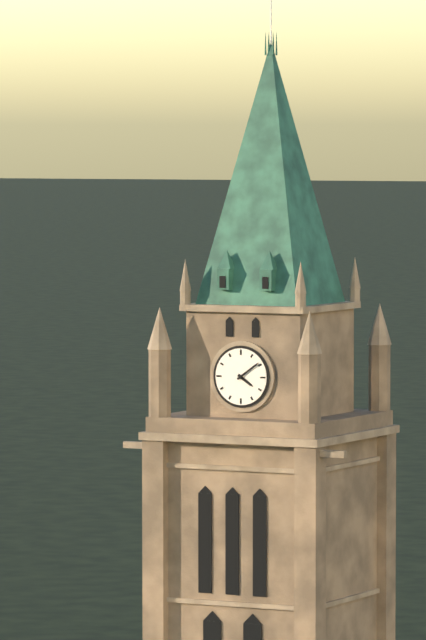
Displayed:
h=4 m=9
